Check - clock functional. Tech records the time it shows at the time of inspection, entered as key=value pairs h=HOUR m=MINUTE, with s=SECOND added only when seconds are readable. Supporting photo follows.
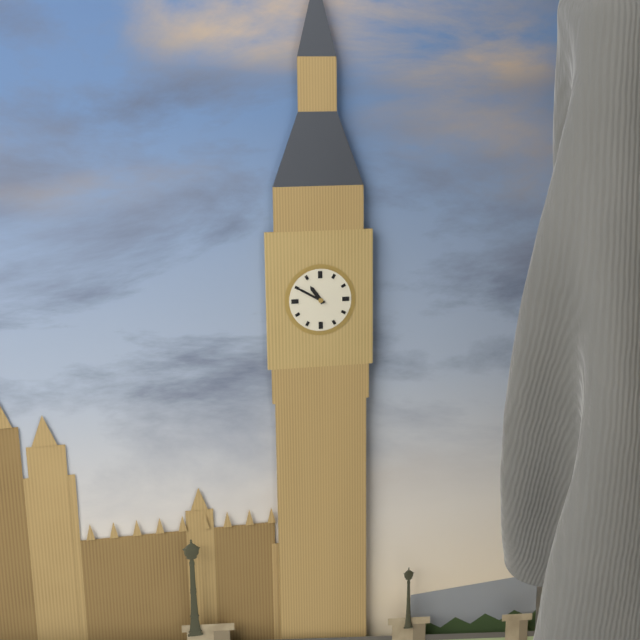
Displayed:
h=10 m=50
